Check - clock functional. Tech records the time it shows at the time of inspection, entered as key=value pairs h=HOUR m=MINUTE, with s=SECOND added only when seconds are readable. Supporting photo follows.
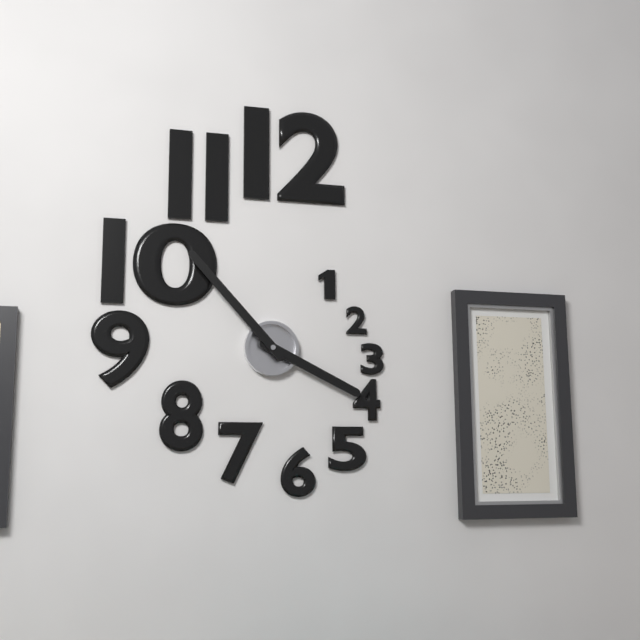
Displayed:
h=3 m=53
